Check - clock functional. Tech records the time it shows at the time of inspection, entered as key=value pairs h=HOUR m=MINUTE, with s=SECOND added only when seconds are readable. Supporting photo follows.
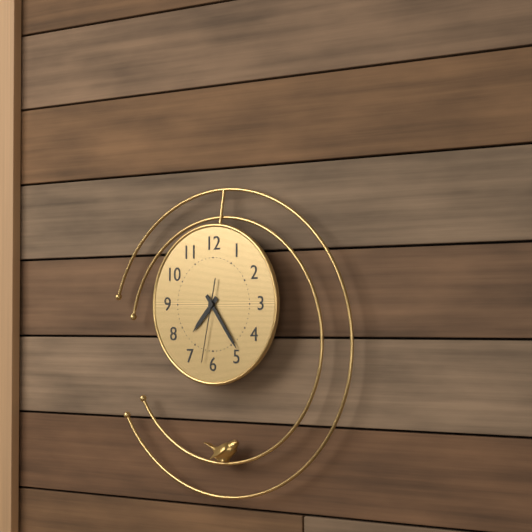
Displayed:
h=7 m=24 s=32
